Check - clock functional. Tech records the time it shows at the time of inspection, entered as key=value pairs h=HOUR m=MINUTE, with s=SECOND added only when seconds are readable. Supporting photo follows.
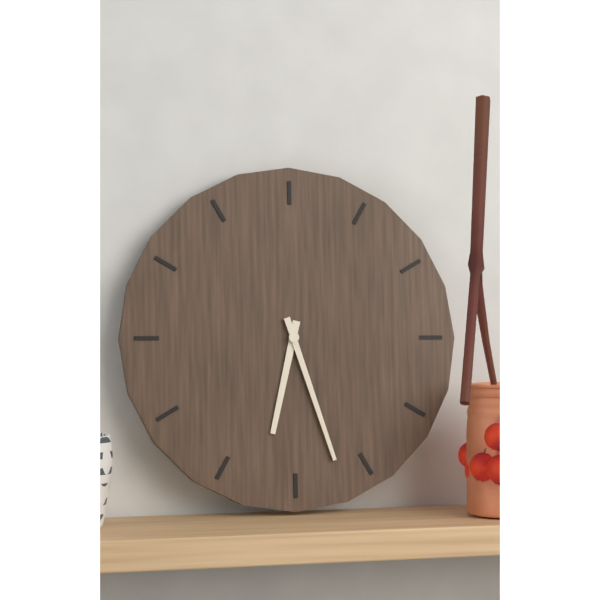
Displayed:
h=6 m=27
